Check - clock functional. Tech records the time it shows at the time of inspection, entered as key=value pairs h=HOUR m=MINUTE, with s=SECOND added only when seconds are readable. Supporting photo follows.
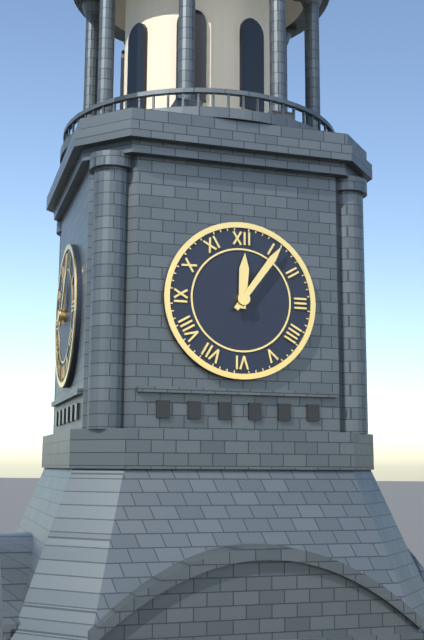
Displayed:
h=12 m=6
